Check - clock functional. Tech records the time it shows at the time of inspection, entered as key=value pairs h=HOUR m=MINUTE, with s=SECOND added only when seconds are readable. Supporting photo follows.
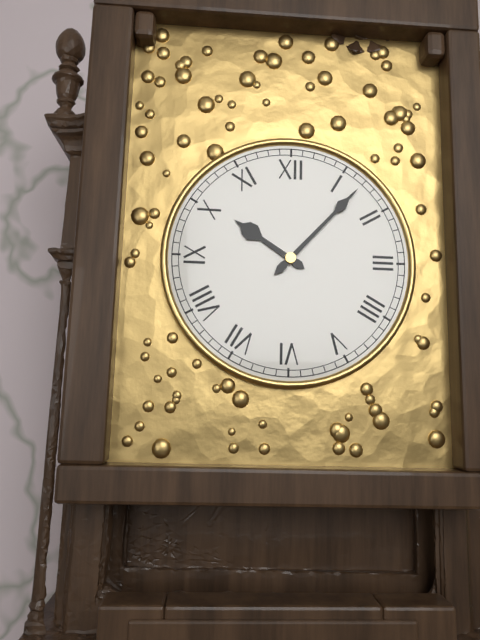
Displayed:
h=10 m=7
